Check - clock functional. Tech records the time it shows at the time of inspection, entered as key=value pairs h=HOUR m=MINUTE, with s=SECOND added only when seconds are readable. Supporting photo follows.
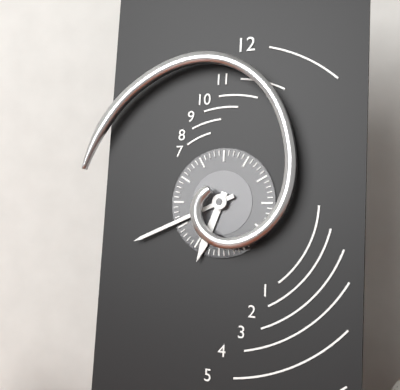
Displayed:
h=6 m=41
